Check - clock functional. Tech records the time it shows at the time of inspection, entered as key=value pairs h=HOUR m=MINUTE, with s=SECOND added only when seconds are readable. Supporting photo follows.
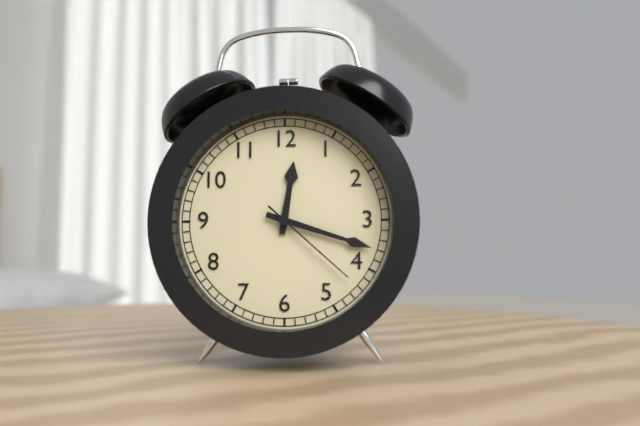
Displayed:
h=12 m=18 s=22
